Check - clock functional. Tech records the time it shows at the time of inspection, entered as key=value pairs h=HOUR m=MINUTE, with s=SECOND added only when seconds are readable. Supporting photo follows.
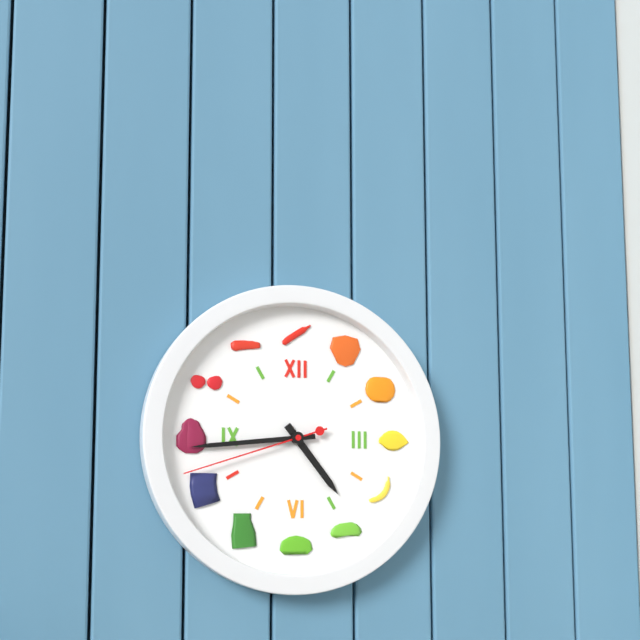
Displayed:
h=4 m=44 s=42
